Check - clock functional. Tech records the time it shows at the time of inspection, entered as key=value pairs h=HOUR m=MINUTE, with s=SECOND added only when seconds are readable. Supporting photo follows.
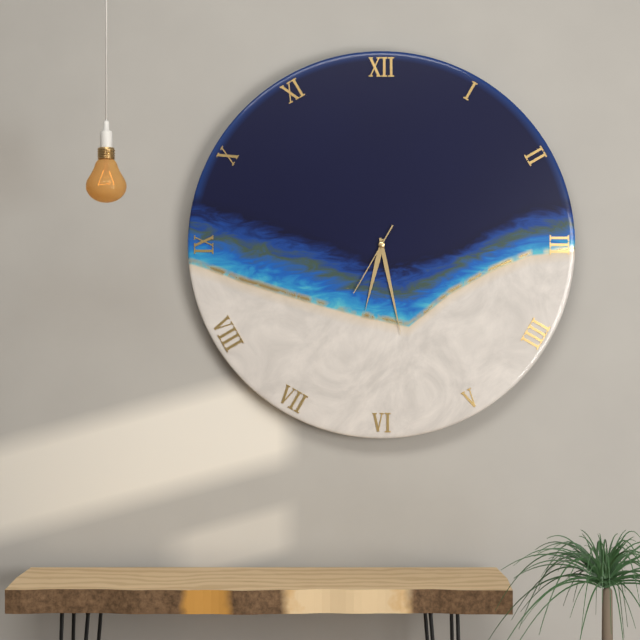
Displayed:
h=6 m=28 s=35
